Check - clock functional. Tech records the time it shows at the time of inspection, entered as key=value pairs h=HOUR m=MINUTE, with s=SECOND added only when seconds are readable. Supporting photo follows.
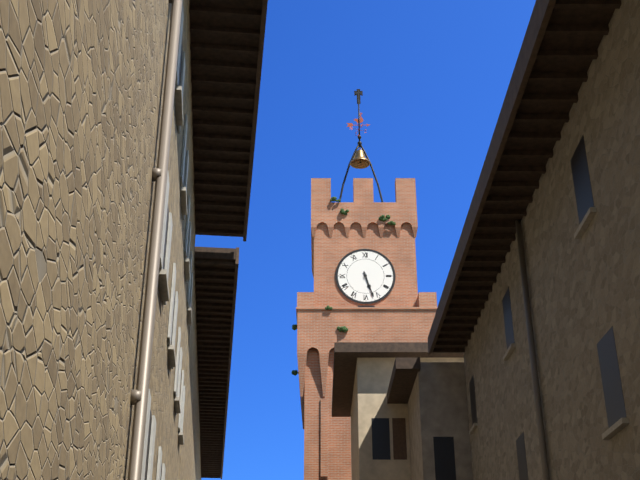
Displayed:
h=5 m=27
